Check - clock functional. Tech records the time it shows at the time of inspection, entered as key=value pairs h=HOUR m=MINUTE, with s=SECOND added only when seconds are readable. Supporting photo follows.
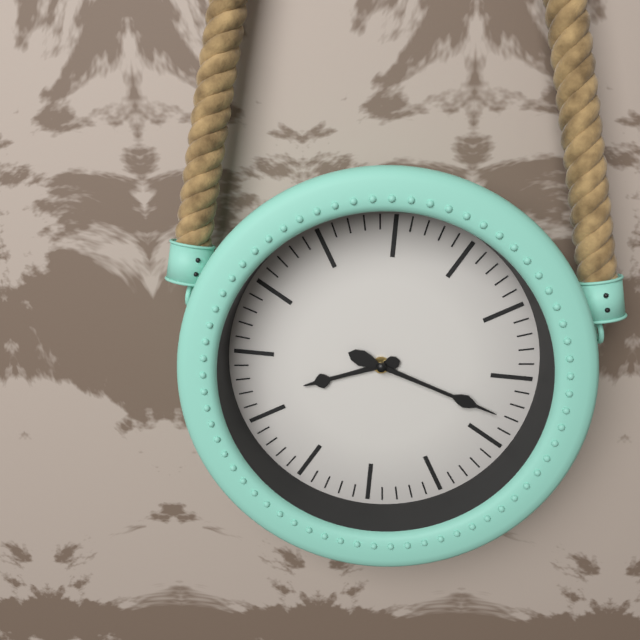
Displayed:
h=8 m=18
